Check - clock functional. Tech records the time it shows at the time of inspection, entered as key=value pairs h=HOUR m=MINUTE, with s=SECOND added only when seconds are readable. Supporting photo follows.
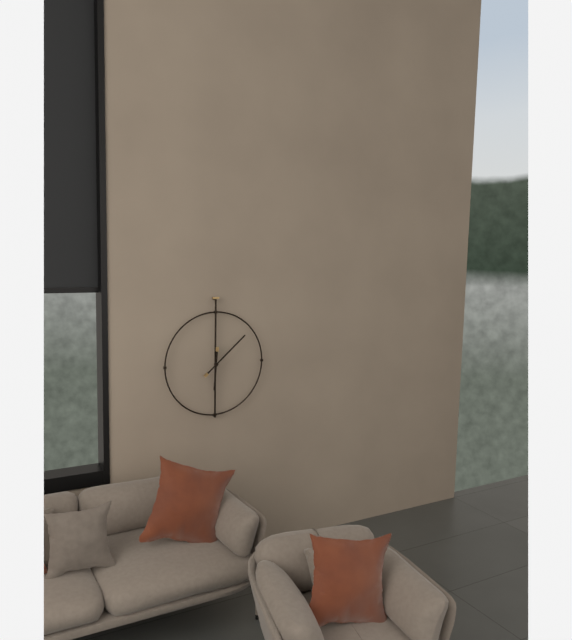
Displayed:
h=6 m=8
